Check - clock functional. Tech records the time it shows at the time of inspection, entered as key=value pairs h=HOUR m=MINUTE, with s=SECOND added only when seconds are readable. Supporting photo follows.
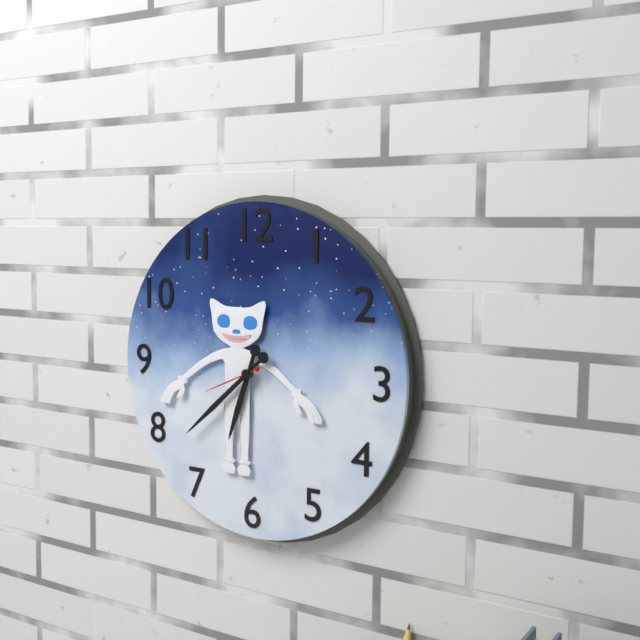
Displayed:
h=6 m=38 s=41
